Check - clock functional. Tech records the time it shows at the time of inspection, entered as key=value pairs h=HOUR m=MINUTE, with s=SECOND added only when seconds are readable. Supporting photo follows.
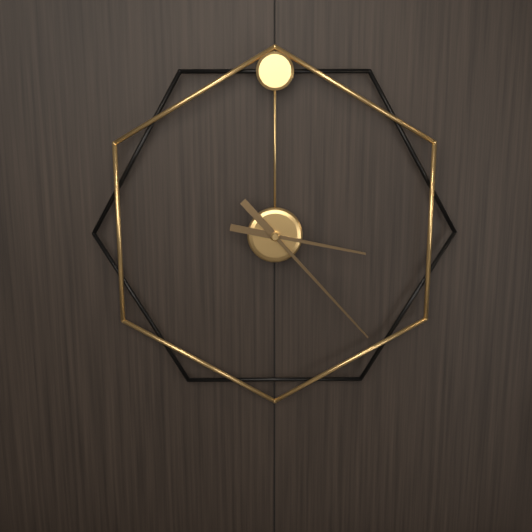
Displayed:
h=3 m=23
